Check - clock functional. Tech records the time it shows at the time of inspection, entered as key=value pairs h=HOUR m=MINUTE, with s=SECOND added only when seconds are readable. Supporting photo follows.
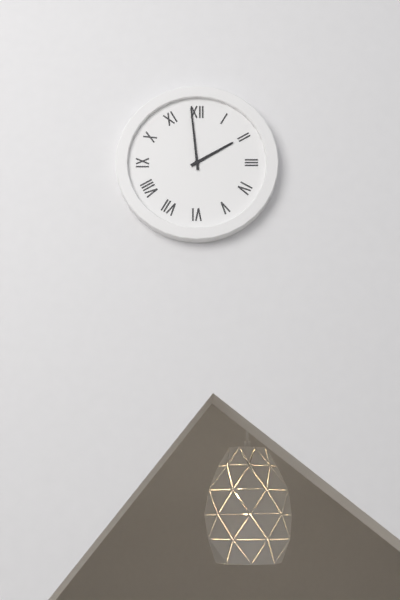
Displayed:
h=1 m=59
